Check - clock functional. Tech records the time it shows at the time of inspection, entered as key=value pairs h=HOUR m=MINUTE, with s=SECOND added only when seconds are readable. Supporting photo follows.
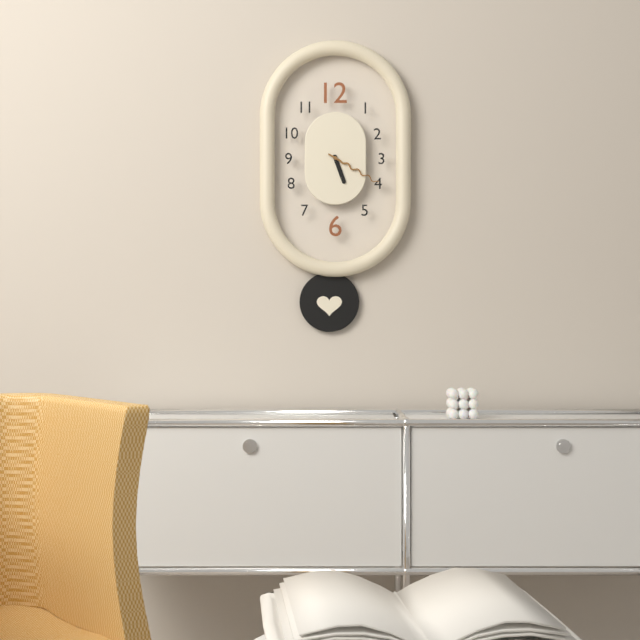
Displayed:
h=5 m=20
